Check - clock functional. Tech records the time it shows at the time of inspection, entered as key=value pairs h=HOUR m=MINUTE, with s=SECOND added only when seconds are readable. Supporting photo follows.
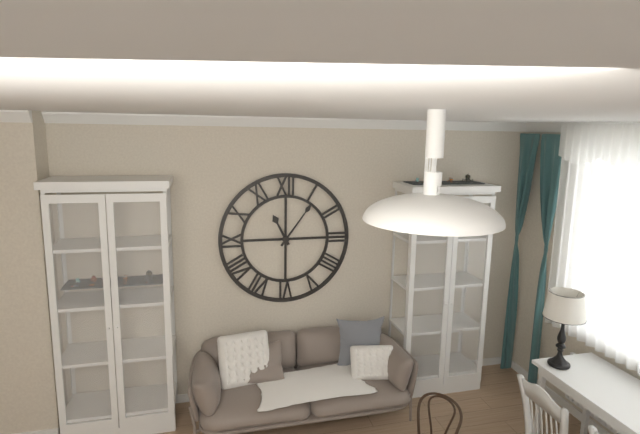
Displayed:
h=11 m=6
